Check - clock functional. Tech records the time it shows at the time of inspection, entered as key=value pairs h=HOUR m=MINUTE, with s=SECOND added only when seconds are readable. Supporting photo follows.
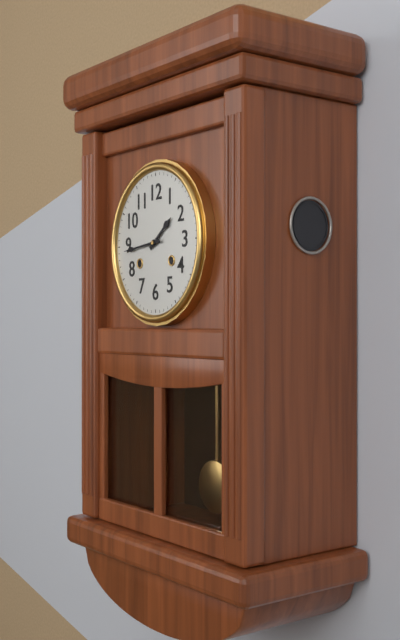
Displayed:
h=1 m=44
